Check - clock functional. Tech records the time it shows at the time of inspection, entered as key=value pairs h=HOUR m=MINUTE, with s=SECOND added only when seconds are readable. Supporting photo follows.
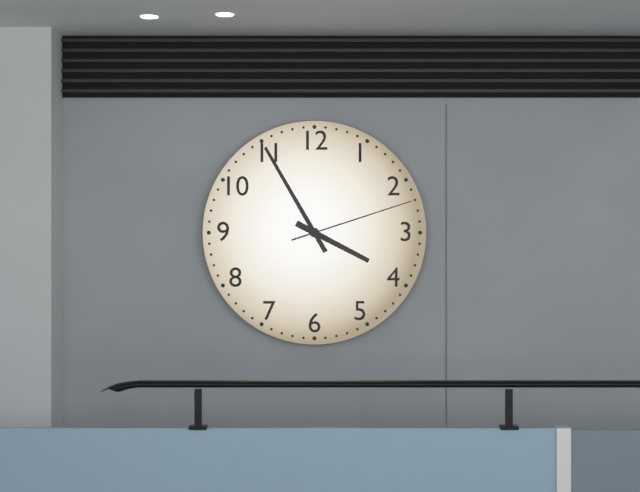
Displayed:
h=3 m=55 s=12
